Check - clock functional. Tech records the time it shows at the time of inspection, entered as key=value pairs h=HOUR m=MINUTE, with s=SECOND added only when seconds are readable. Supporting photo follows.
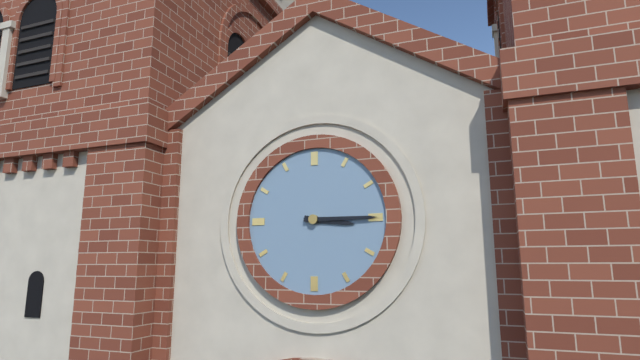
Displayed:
h=3 m=15
